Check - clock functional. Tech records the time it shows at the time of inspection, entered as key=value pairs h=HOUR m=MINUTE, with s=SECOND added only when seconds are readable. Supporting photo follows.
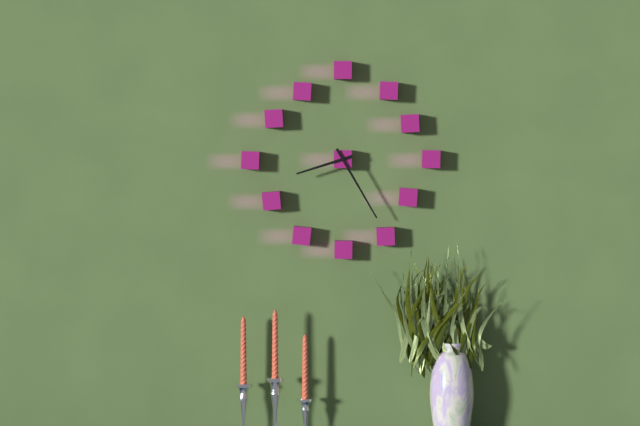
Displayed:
h=8 m=25
